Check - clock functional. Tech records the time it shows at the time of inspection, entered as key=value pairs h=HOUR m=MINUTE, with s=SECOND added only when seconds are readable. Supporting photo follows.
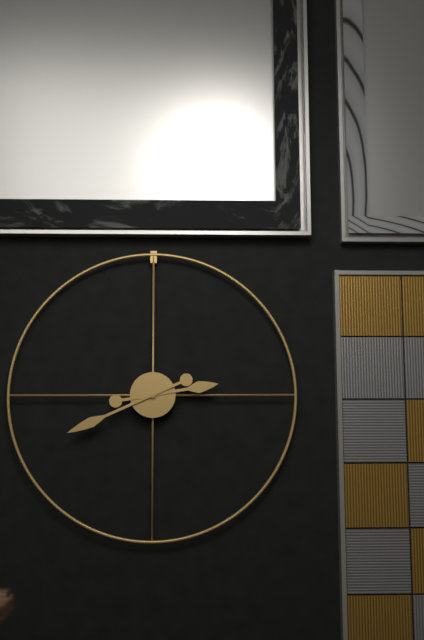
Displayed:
h=2 m=41
